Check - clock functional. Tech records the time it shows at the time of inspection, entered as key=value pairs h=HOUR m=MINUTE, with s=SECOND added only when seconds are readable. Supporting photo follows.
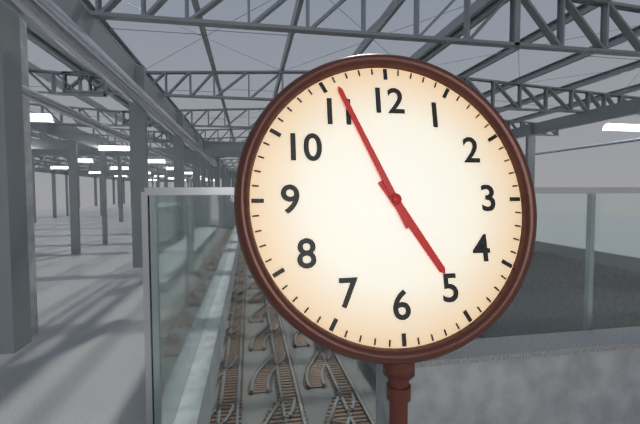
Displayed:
h=4 m=56
